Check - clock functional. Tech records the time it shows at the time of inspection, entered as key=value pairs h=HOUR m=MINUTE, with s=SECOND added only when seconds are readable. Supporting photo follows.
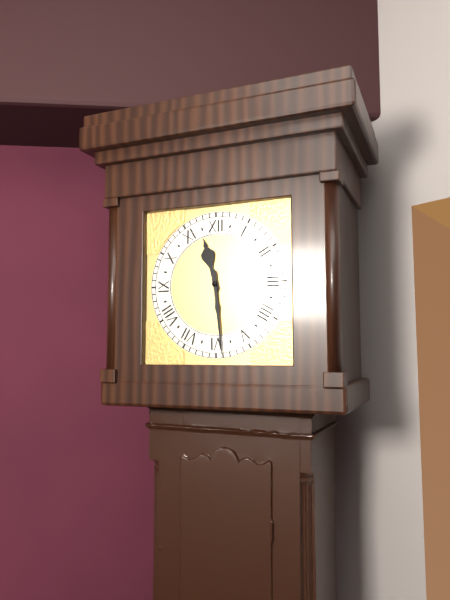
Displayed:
h=11 m=29
